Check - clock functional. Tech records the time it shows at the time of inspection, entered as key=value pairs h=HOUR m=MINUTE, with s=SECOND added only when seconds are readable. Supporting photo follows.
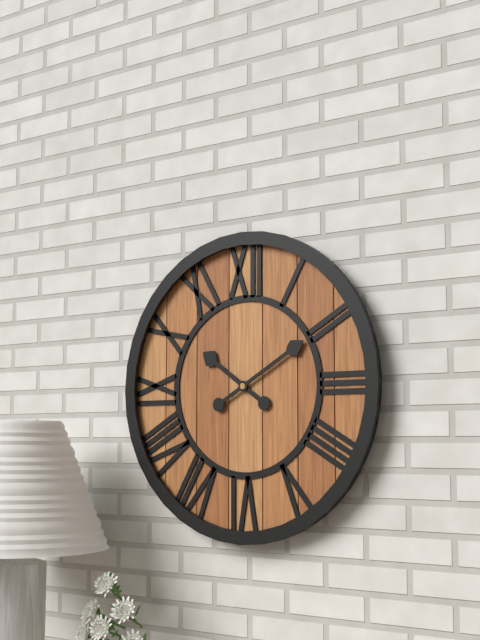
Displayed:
h=10 m=10
